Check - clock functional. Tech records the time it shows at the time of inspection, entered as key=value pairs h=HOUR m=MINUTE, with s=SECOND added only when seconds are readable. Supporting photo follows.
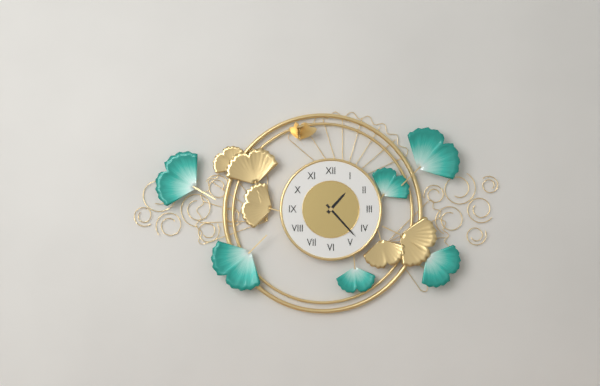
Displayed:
h=1 m=23
